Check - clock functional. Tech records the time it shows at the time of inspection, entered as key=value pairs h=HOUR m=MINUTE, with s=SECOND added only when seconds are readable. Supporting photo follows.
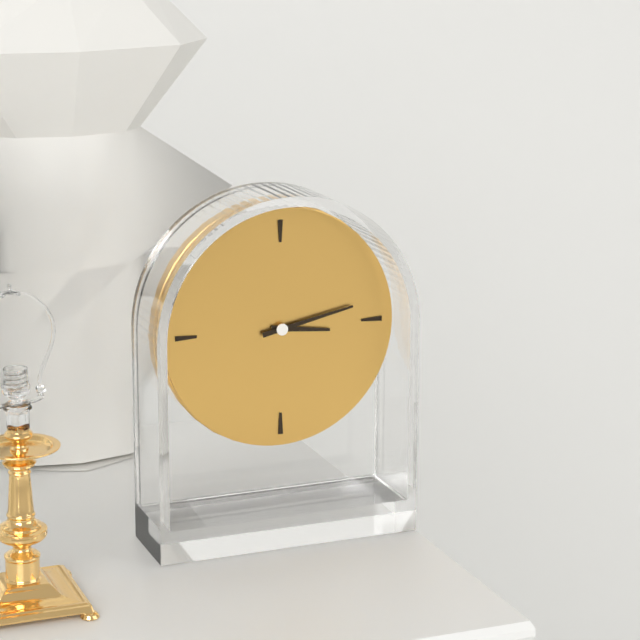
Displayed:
h=3 m=13
